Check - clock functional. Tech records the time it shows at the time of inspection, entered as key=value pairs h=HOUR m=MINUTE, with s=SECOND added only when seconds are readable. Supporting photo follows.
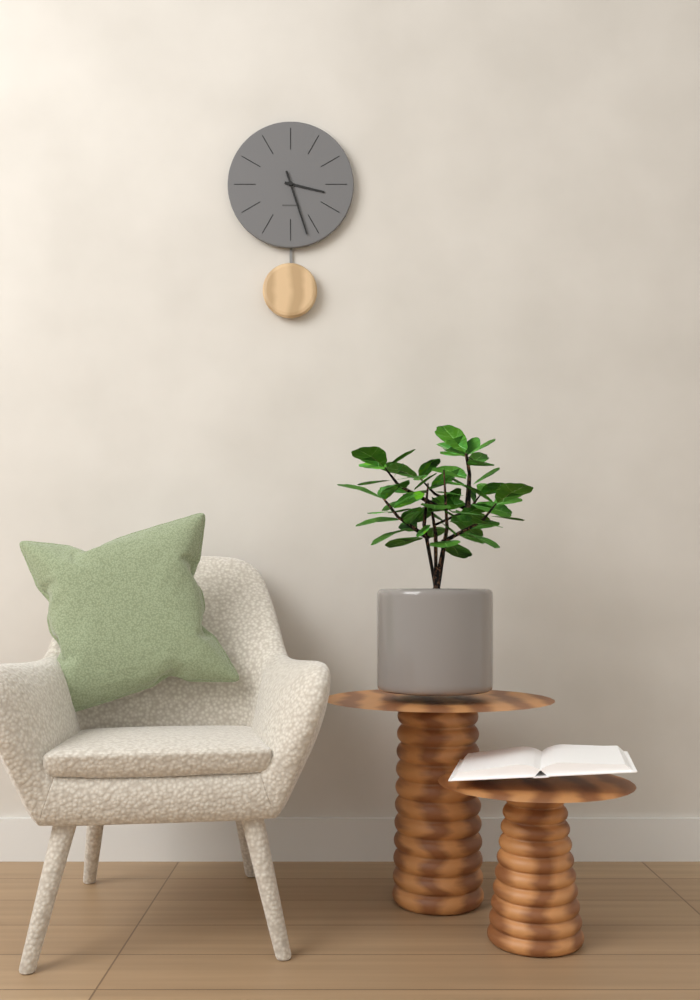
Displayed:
h=3 m=27
